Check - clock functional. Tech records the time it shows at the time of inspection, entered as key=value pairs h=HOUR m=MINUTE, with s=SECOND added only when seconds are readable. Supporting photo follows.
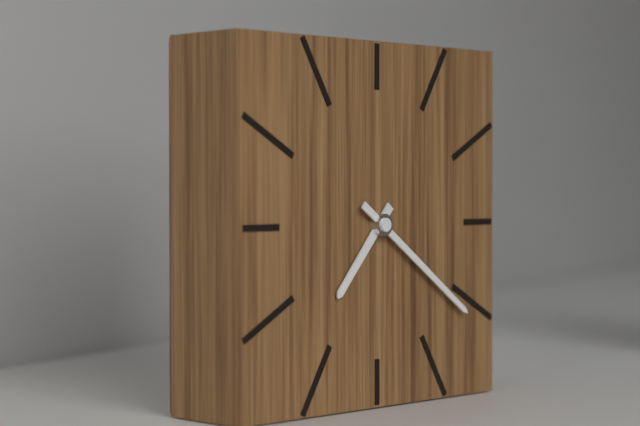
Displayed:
h=7 m=21
